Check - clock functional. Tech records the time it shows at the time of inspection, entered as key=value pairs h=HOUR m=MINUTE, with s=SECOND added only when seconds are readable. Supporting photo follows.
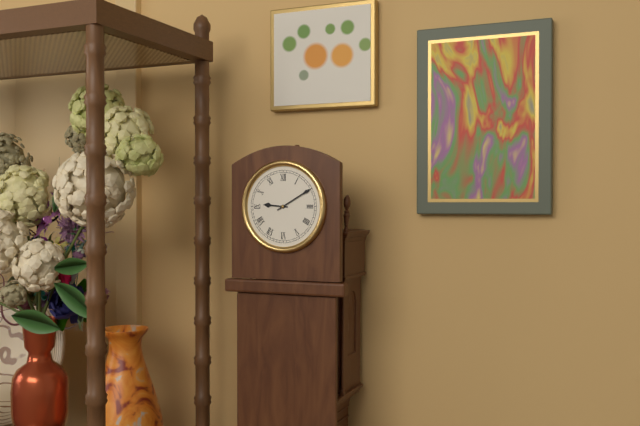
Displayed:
h=9 m=10
